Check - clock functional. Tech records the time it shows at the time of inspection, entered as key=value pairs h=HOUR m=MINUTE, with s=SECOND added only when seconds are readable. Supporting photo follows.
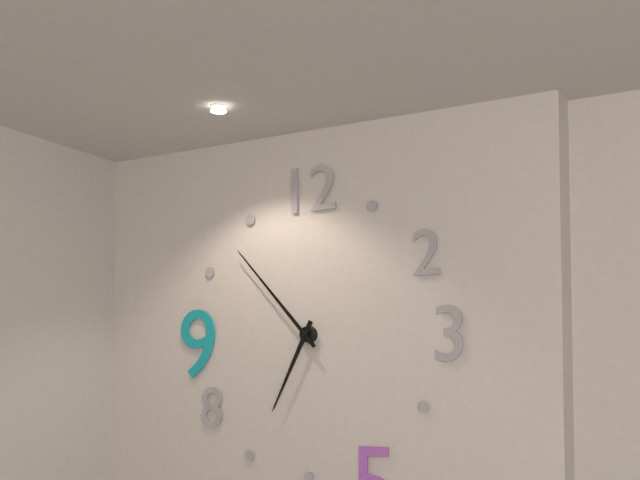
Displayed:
h=6 m=53
